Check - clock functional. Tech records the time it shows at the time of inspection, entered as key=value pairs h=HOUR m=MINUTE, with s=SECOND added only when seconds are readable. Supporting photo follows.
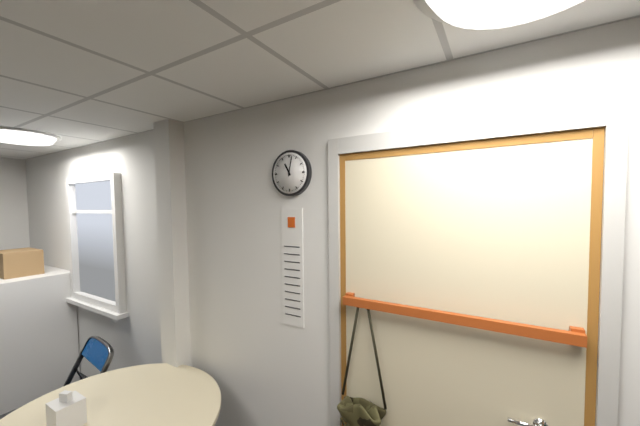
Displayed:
h=11 m=2
